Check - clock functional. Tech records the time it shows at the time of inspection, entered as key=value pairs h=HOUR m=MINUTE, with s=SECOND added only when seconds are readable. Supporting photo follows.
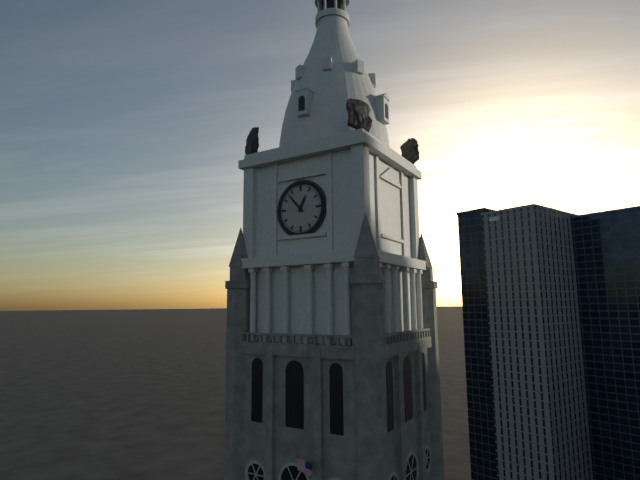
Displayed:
h=12 m=53
